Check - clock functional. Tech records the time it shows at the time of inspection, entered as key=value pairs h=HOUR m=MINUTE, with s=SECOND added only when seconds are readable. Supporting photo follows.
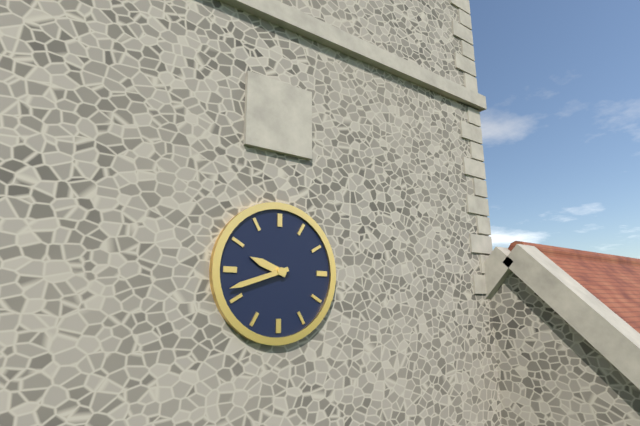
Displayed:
h=9 m=42
